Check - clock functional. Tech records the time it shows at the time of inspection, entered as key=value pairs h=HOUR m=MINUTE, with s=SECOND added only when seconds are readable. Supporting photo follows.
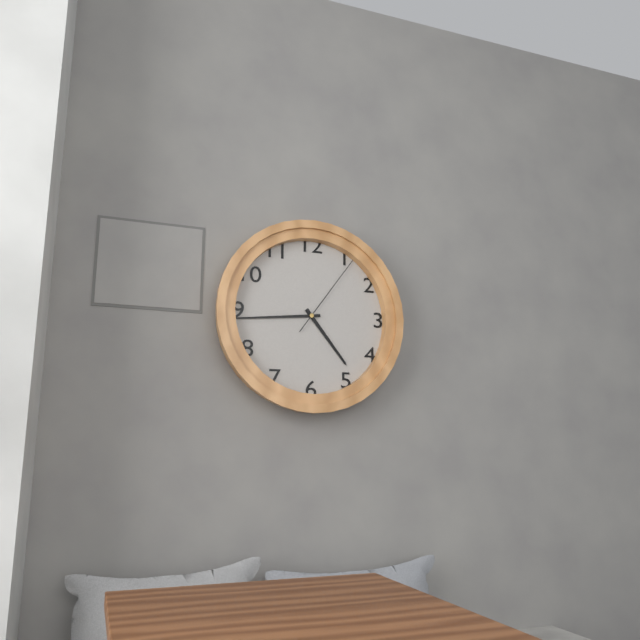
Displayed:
h=4 m=44 s=6
